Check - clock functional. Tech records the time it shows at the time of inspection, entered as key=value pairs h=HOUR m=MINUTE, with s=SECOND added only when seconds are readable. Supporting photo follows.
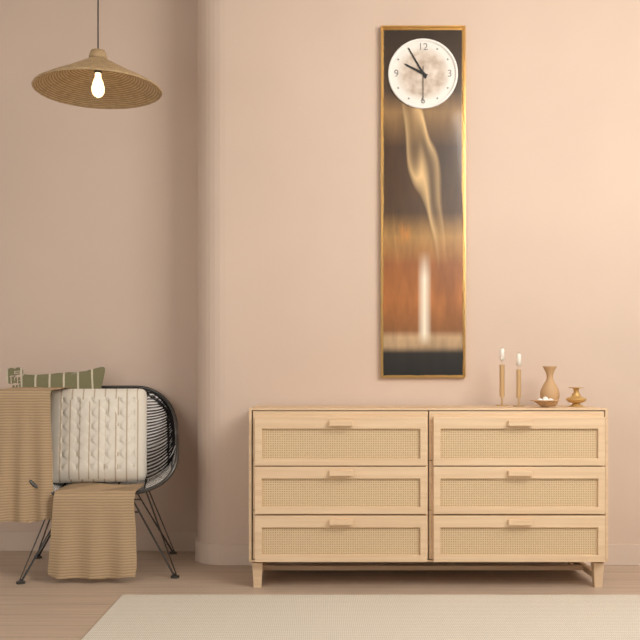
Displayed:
h=9 m=55
